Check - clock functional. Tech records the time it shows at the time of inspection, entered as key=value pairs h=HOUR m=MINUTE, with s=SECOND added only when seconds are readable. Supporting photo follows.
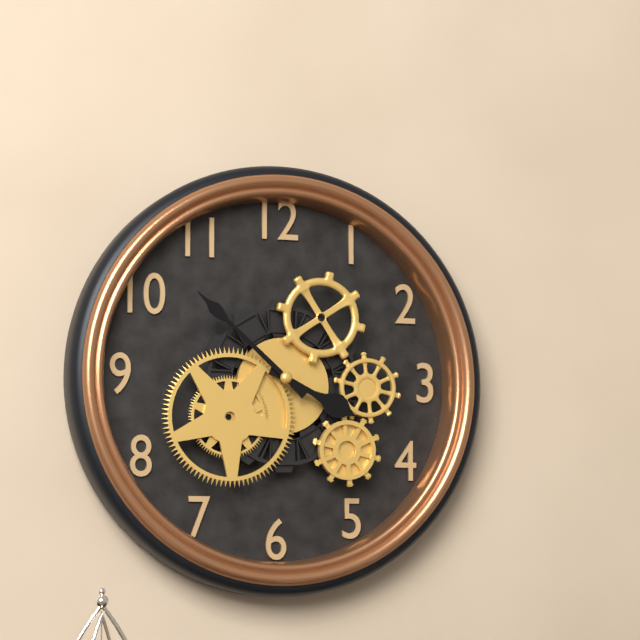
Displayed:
h=3 m=52
